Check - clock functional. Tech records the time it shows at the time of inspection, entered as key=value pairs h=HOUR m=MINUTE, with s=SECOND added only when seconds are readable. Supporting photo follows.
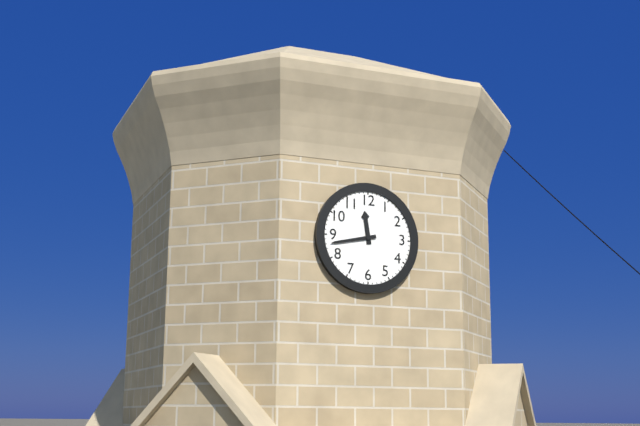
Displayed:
h=11 m=43
